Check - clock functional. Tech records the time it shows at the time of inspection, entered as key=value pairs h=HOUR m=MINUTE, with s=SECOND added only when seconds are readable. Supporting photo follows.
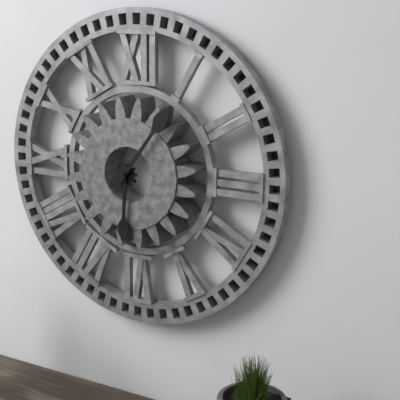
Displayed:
h=6 m=6
